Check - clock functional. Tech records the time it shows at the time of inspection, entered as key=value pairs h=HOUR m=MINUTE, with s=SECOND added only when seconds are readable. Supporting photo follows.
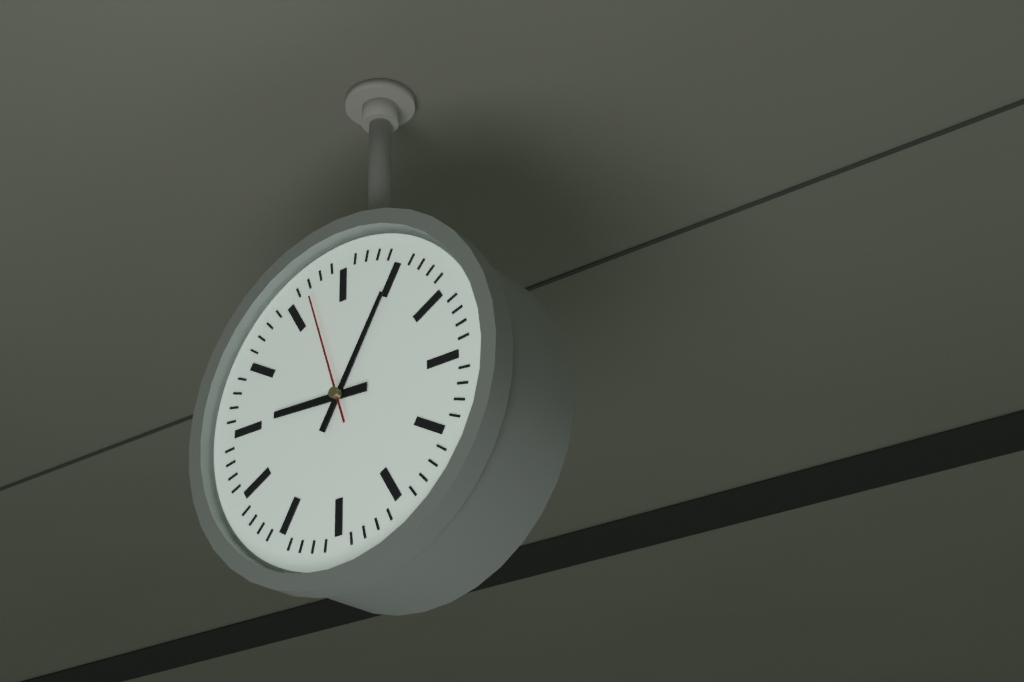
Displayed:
h=9 m=5 s=57
